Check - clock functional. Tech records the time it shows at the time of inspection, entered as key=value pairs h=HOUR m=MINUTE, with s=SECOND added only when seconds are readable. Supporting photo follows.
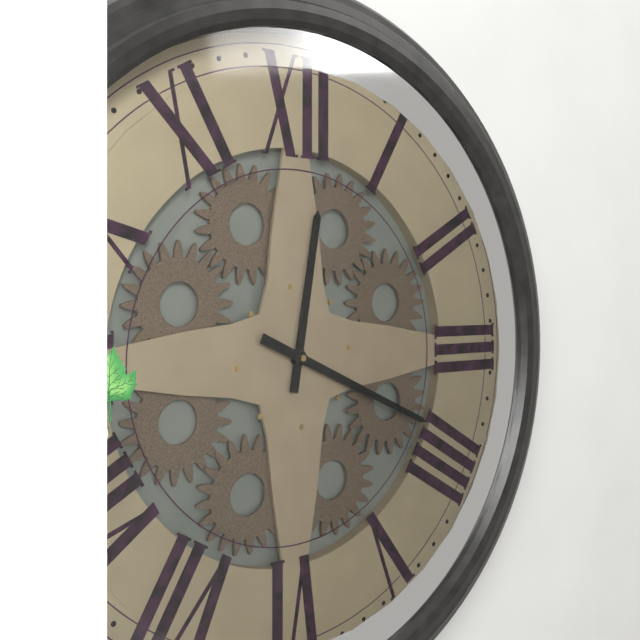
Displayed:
h=12 m=19
